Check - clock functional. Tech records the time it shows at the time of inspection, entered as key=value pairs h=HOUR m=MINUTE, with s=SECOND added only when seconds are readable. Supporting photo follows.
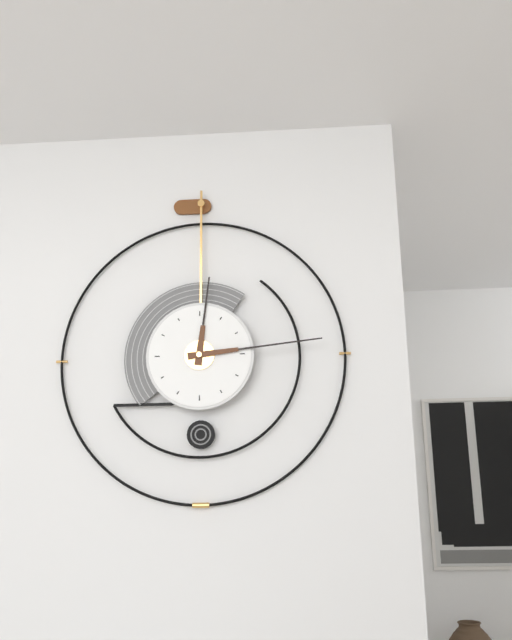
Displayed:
h=12 m=14
